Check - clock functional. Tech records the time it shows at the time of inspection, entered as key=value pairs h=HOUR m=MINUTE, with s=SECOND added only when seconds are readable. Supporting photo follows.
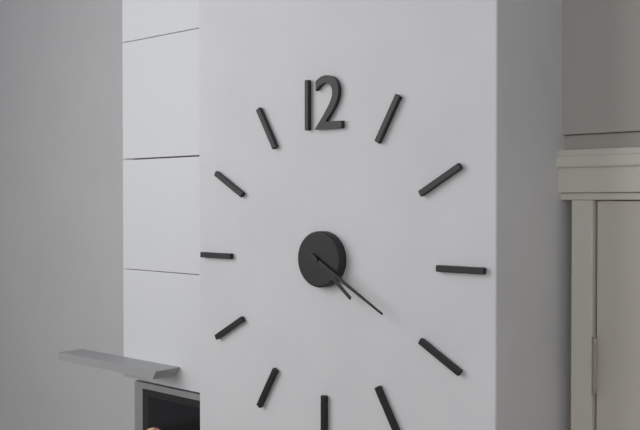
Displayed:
h=4 m=20
